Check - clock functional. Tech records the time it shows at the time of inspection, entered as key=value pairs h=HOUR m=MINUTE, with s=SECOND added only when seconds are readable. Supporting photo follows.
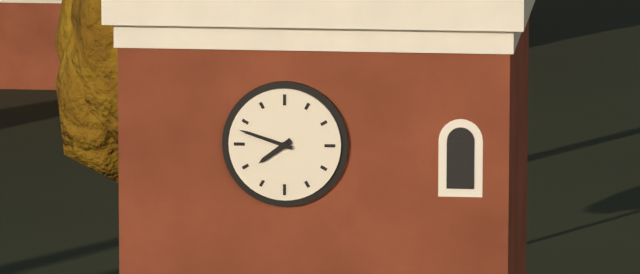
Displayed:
h=7 m=48
